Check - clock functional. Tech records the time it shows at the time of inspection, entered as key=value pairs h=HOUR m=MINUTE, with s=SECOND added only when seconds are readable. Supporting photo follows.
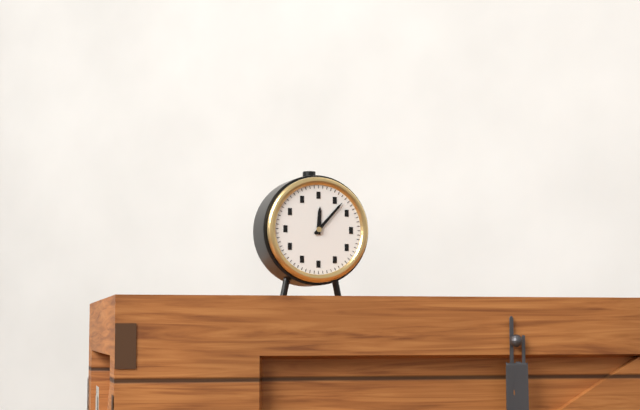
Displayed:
h=12 m=7
